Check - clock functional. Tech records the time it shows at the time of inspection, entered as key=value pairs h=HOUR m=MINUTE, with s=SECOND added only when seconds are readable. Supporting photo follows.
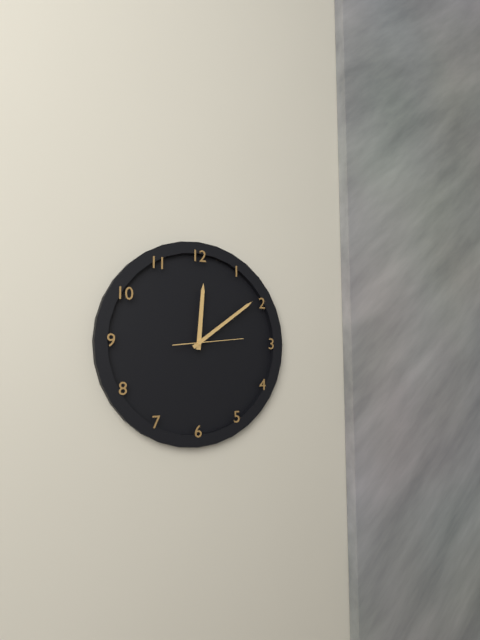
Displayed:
h=12 m=9 s=14
